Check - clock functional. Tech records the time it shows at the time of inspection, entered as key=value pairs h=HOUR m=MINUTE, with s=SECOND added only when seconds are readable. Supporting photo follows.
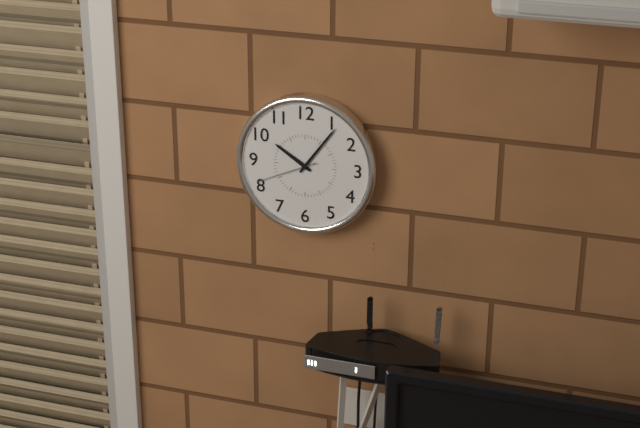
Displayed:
h=10 m=6 s=41
